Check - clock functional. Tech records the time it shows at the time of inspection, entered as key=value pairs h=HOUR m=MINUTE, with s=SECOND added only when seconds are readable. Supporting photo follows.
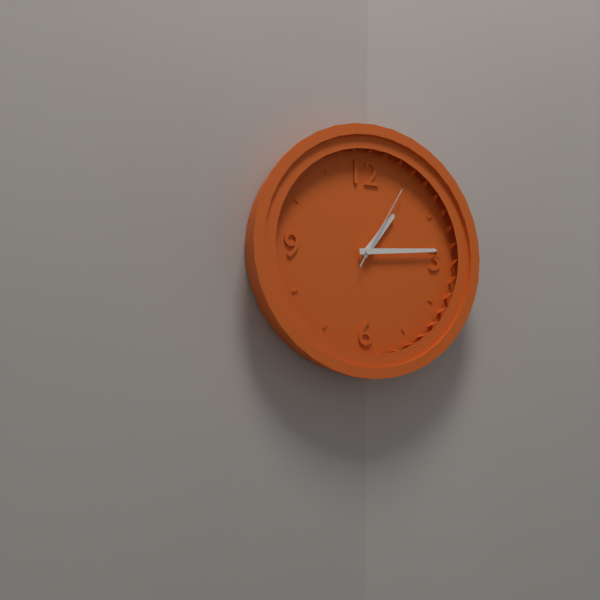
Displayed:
h=1 m=14 s=5
